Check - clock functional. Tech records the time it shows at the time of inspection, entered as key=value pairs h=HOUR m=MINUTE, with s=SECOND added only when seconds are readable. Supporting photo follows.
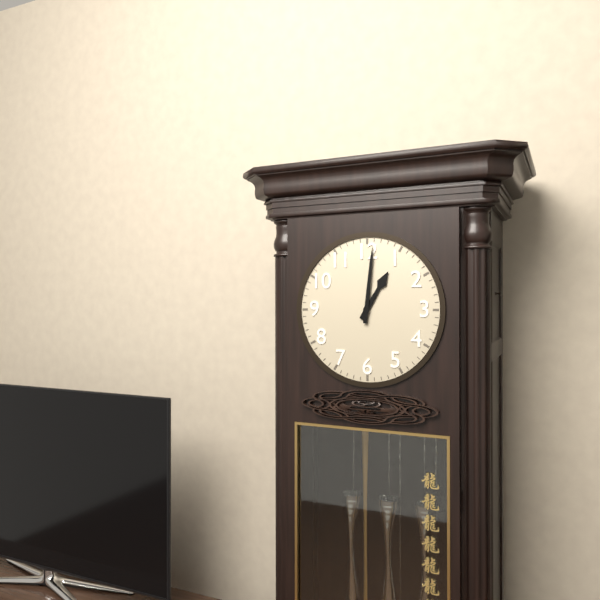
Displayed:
h=1 m=1
